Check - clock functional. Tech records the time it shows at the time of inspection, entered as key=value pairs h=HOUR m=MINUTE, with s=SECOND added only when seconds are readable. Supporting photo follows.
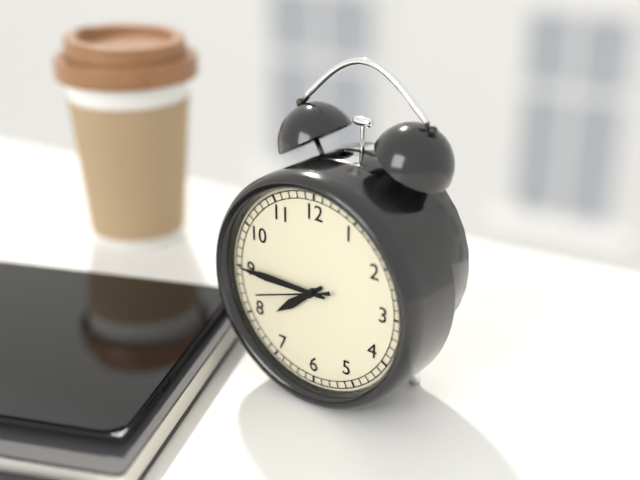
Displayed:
h=7 m=45 s=42
